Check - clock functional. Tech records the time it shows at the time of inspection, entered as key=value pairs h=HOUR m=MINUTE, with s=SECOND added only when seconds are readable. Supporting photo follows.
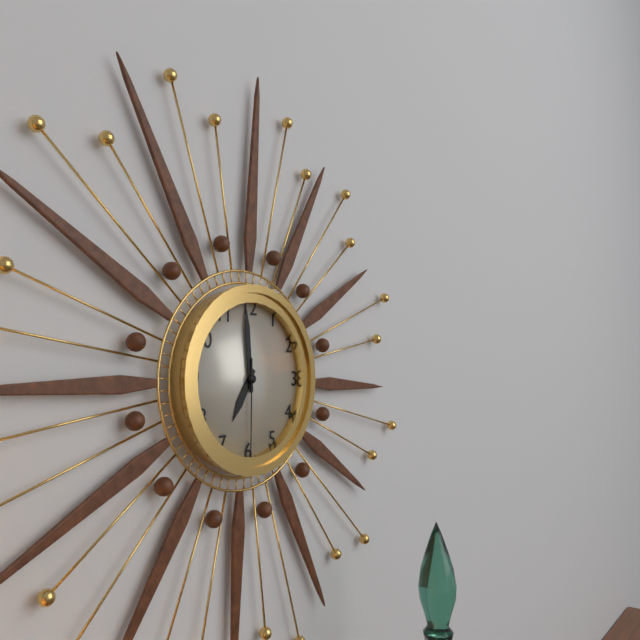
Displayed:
h=6 m=59 s=30
